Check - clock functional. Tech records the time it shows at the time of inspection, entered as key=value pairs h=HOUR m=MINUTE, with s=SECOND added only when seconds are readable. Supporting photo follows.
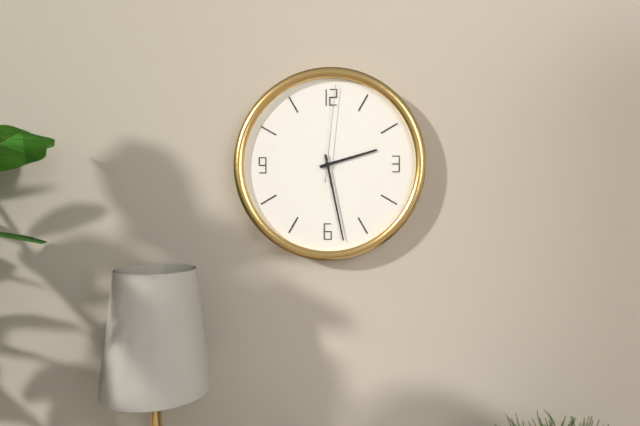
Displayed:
h=2 m=28 s=1
